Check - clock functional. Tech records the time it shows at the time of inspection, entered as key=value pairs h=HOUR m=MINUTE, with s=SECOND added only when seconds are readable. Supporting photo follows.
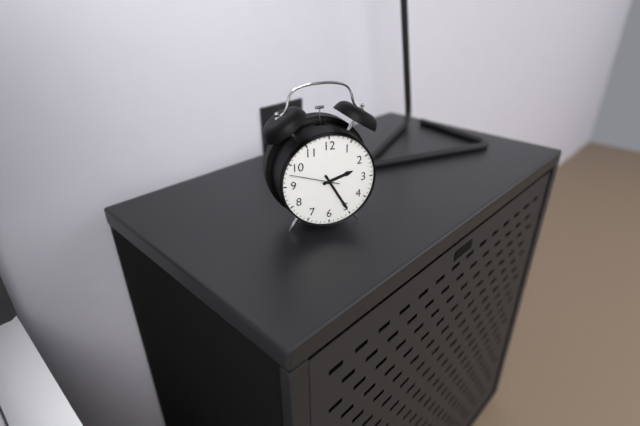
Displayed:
h=2 m=25 s=48
